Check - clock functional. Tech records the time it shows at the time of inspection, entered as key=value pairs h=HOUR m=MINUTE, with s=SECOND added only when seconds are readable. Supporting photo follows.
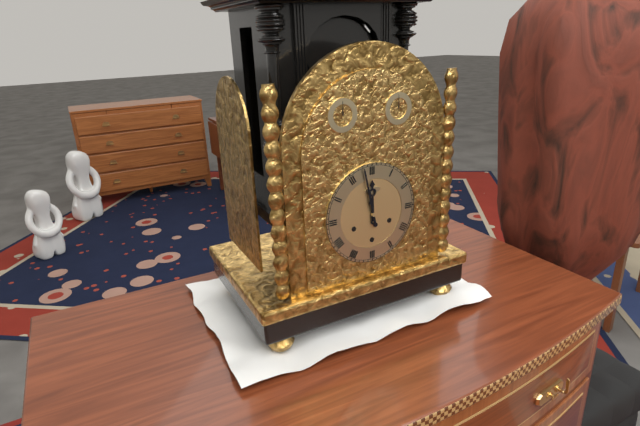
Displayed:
h=11 m=58
